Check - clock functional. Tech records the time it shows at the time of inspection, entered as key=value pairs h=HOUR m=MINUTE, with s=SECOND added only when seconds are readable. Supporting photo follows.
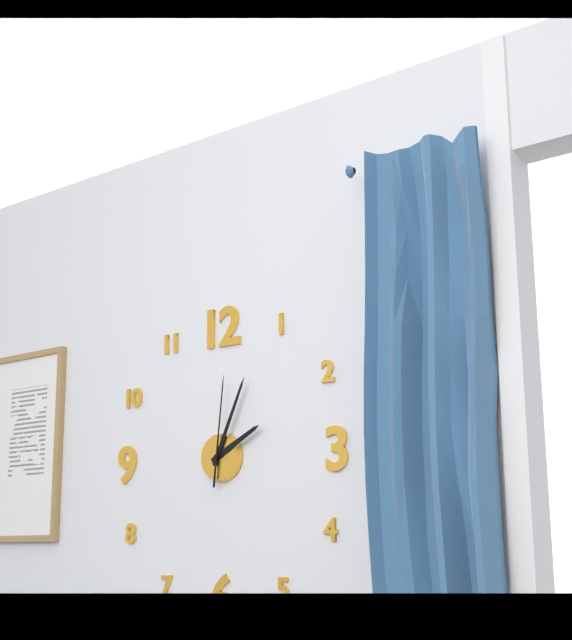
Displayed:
h=2 m=4 s=1
